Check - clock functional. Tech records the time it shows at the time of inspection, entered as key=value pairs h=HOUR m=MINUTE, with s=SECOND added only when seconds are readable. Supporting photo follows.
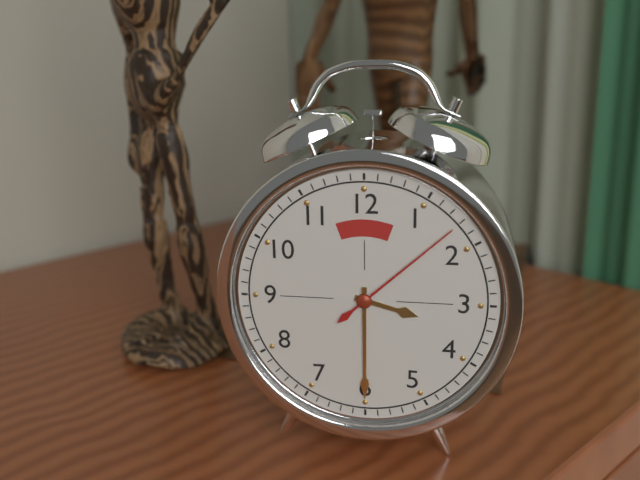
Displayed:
h=3 m=30 s=8
